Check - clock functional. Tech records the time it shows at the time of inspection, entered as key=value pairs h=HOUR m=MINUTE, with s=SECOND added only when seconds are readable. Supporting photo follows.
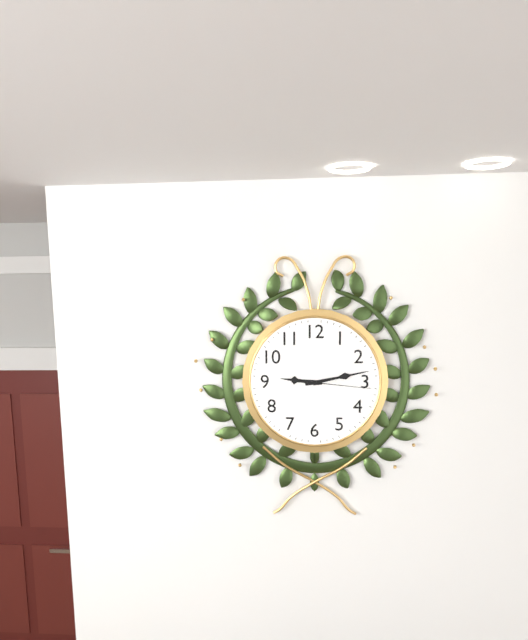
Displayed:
h=9 m=13 s=16
